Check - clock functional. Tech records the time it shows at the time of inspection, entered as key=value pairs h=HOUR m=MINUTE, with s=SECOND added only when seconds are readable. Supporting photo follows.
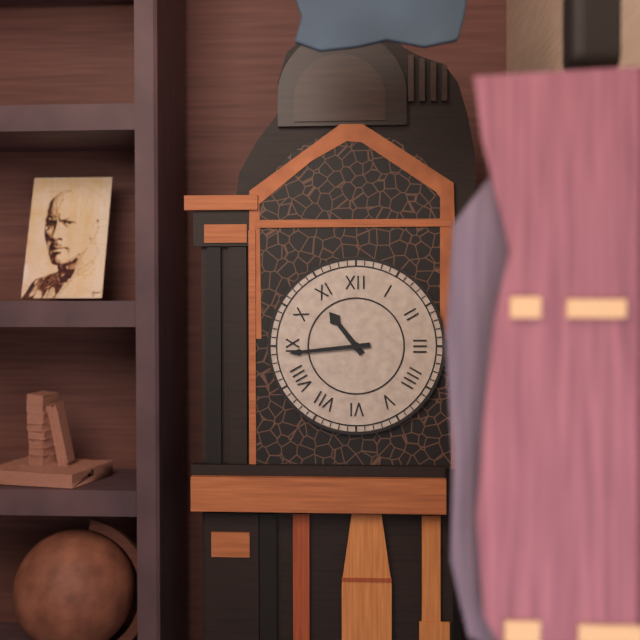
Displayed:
h=10 m=44
